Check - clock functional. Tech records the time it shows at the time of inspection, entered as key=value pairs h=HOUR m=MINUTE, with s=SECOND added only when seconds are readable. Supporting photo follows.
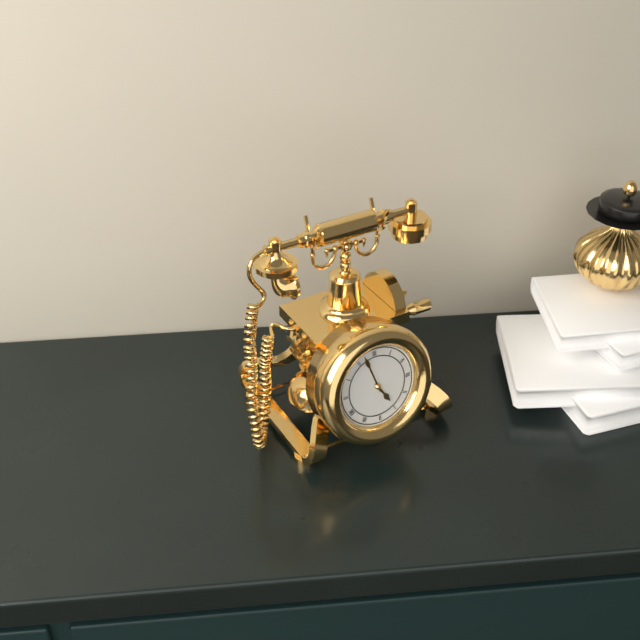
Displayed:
h=4 m=57
